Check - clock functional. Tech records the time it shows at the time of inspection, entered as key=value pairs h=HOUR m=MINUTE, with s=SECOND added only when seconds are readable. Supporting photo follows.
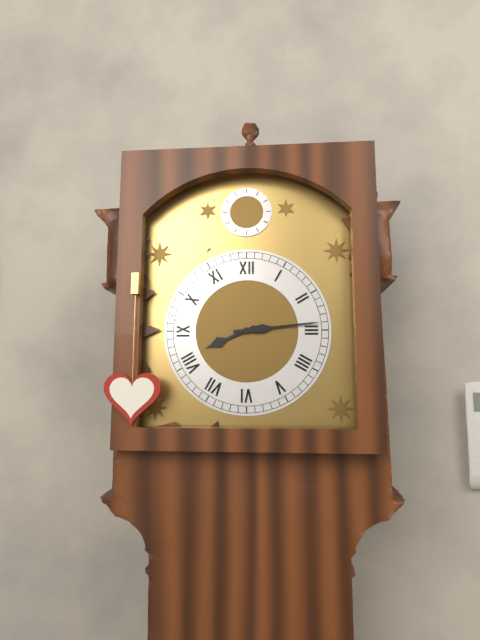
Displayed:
h=8 m=14
